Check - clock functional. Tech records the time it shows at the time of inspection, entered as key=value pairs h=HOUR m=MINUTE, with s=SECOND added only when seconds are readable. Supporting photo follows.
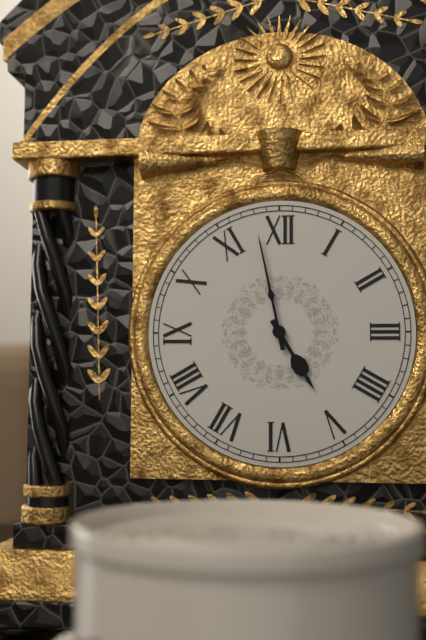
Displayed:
h=4 m=58
